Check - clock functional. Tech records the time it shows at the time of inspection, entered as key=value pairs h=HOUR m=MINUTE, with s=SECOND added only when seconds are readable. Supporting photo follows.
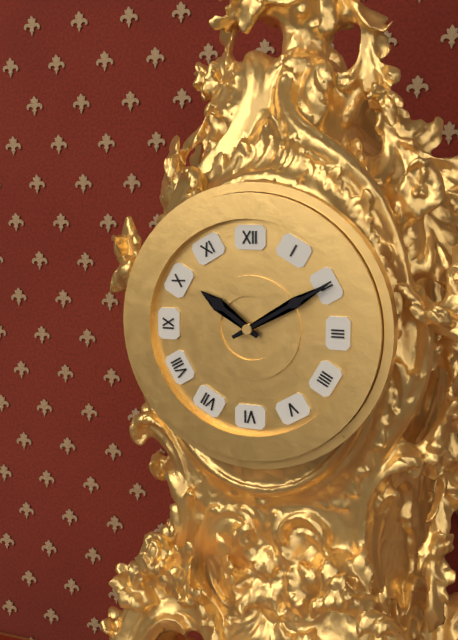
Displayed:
h=10 m=10
